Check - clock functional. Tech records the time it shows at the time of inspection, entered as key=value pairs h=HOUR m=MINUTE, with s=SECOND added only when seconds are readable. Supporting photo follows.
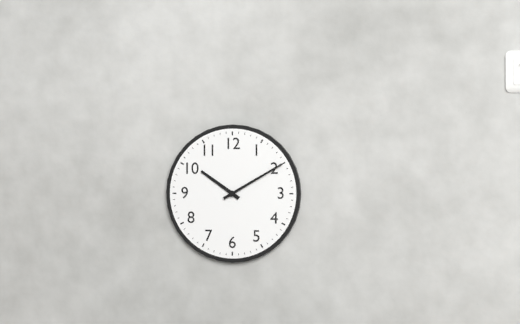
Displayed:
h=10 m=10
